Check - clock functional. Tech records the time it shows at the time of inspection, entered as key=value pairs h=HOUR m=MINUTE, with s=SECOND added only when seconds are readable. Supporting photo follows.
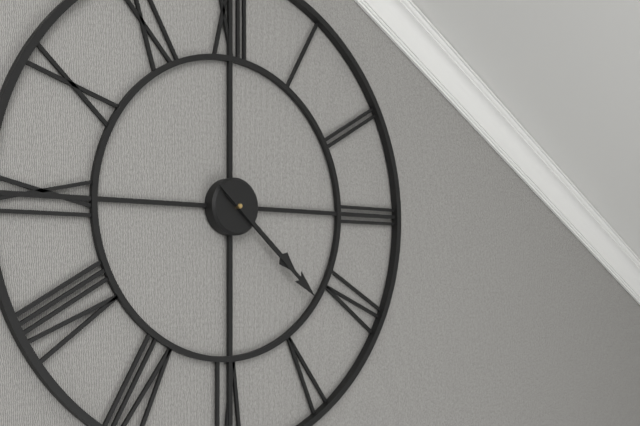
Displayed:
h=4 m=22
